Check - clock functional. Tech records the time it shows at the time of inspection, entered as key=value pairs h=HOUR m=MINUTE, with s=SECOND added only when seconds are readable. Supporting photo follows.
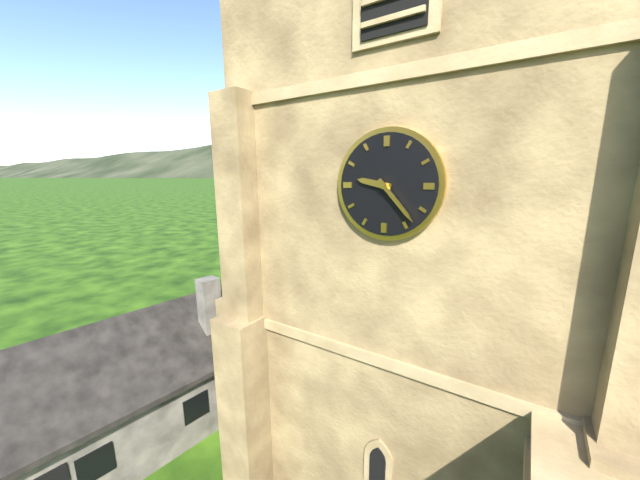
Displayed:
h=9 m=23
